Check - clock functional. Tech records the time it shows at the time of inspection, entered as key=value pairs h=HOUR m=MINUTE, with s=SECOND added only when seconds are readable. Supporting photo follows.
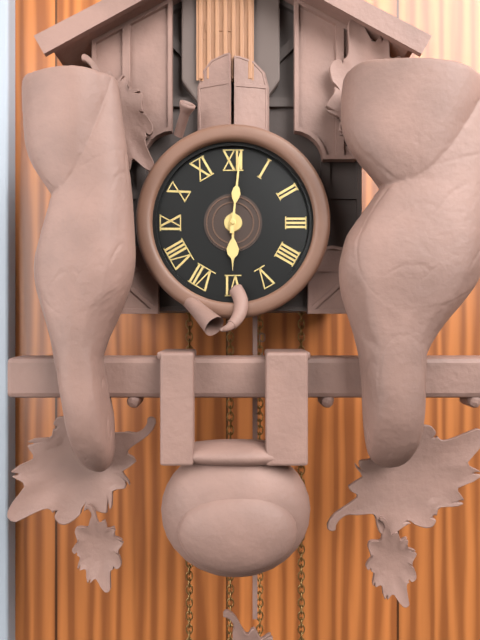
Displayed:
h=6 m=1
